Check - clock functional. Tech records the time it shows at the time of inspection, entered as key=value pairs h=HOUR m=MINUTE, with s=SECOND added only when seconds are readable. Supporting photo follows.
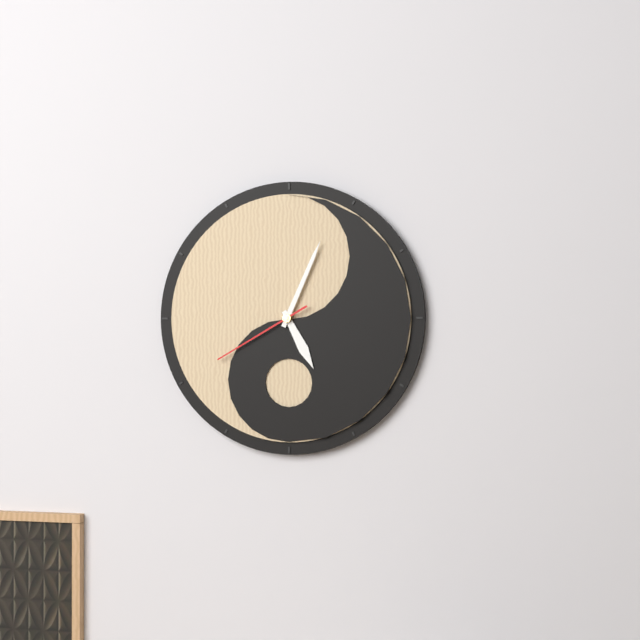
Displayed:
h=5 m=4 s=40
